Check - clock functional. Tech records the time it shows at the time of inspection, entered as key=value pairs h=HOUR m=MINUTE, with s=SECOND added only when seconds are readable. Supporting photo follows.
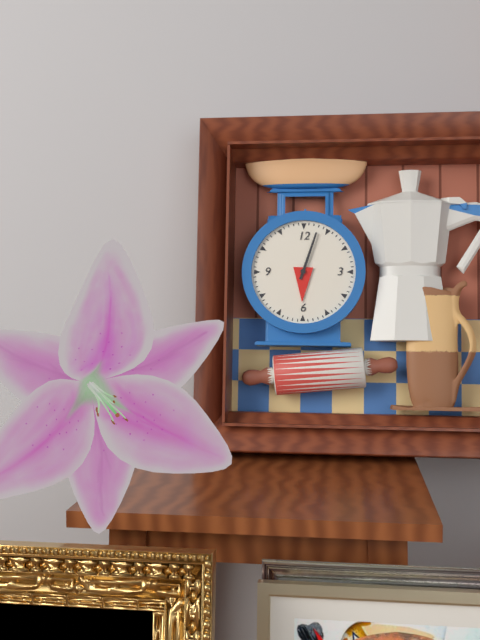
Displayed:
h=6 m=3
